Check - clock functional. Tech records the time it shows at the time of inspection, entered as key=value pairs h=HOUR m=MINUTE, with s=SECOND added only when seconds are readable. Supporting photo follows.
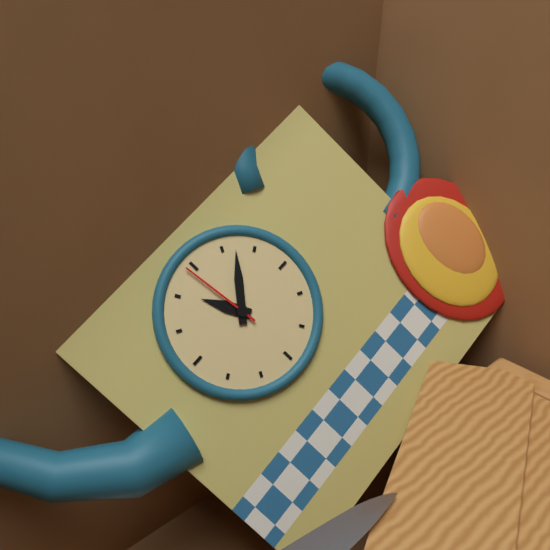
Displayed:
h=11 m=7 s=59
